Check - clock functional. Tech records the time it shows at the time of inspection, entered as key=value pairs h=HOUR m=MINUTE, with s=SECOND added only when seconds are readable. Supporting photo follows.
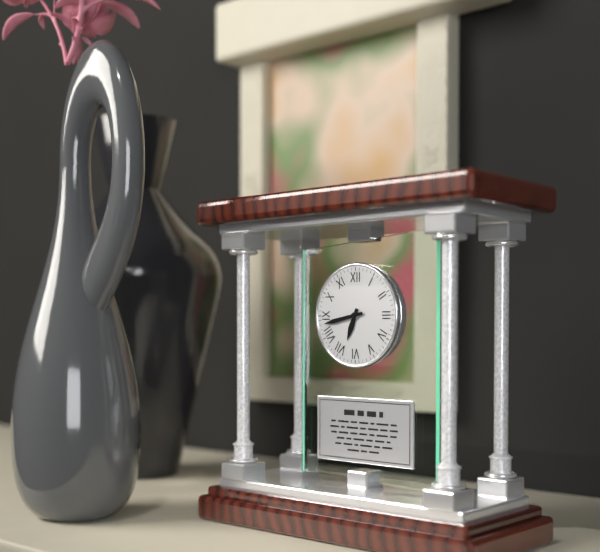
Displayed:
h=6 m=43
